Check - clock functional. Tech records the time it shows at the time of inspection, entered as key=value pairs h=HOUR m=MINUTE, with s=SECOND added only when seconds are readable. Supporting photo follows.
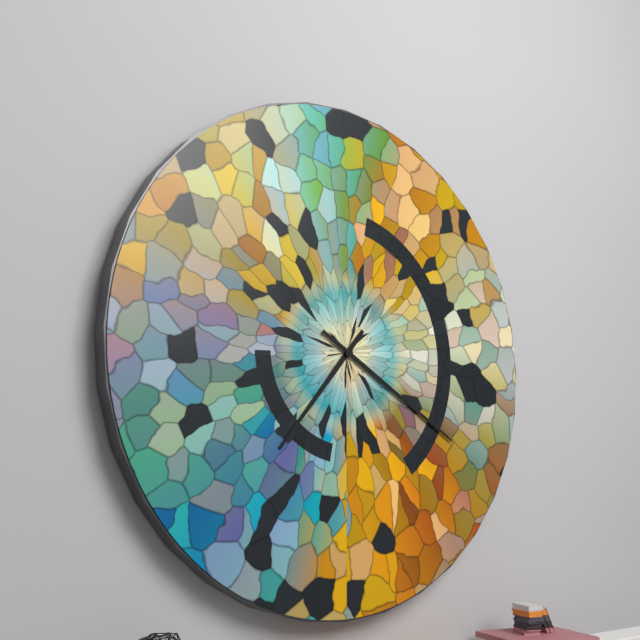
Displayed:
h=7 m=20
